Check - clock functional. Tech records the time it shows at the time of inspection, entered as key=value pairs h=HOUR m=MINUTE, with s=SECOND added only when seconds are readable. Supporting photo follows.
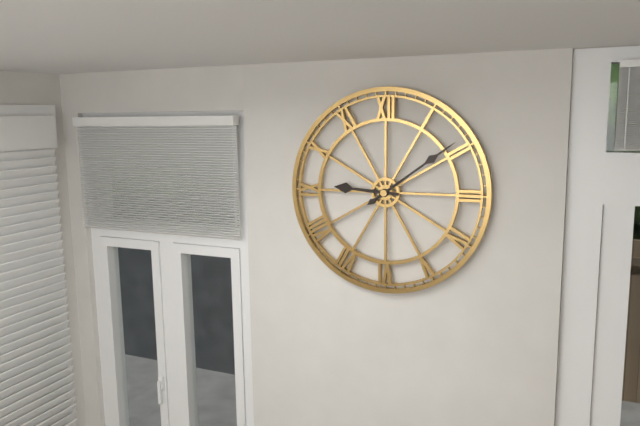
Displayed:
h=9 m=9
